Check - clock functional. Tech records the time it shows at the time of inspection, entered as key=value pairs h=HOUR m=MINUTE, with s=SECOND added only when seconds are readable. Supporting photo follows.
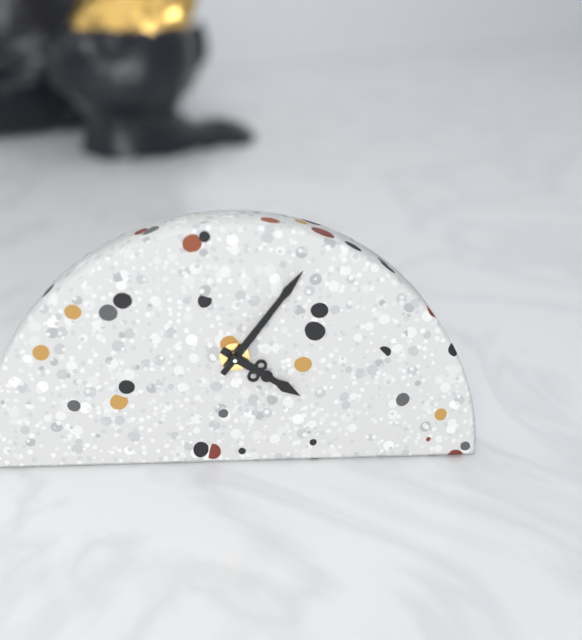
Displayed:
h=4 m=6
